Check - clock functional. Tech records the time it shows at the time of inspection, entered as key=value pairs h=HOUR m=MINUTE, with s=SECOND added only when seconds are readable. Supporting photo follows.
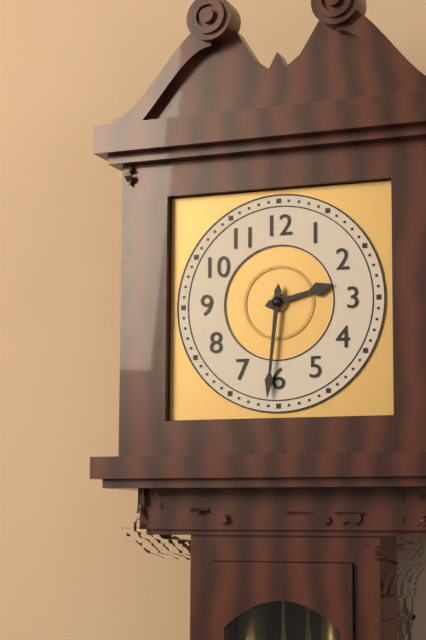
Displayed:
h=2 m=31
